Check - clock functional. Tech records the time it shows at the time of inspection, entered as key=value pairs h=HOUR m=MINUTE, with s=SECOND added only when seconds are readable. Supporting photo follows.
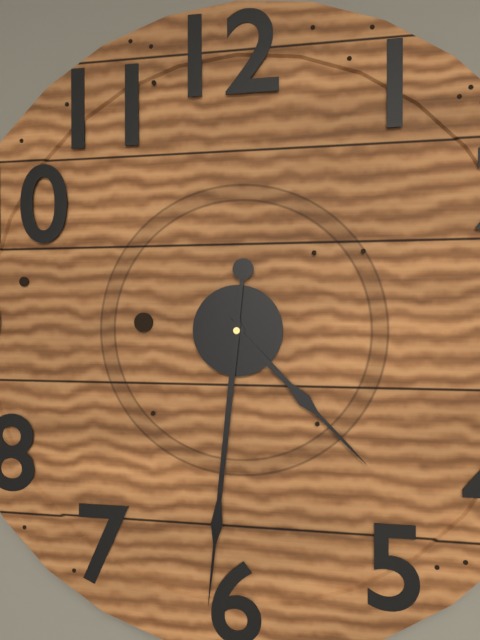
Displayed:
h=4 m=31
